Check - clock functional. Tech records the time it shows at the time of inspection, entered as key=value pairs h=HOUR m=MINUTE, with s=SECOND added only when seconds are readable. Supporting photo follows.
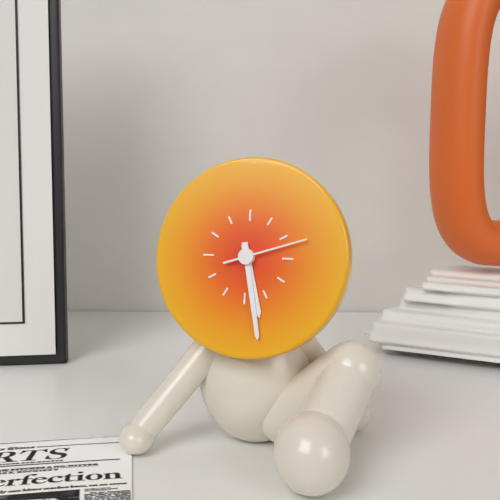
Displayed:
h=5 m=28 s=12
